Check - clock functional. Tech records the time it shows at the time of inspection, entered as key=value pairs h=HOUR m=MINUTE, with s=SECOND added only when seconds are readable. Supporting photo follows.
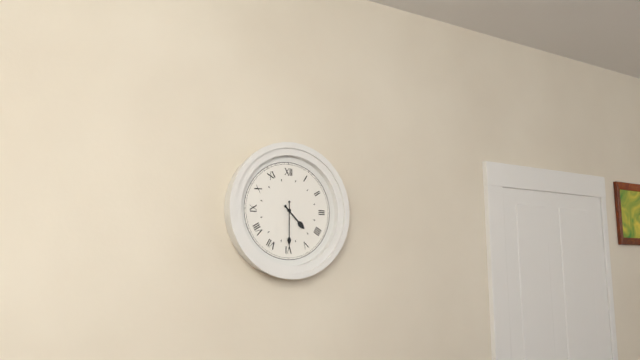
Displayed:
h=4 m=30
